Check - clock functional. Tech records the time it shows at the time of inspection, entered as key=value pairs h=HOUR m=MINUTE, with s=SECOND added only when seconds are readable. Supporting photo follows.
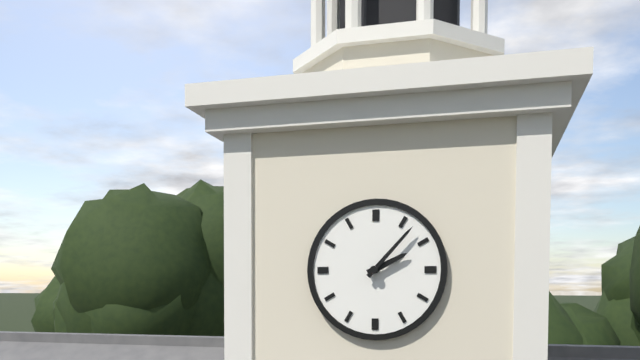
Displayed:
h=2 m=7
